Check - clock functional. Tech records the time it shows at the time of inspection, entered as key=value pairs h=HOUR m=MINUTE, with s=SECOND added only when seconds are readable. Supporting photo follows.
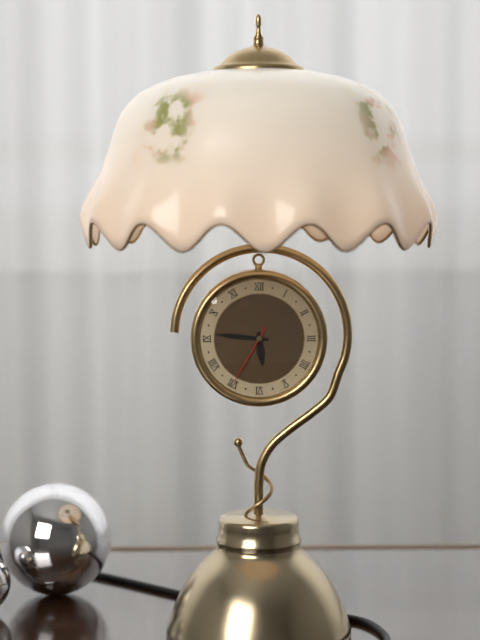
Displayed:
h=5 m=46 s=35
